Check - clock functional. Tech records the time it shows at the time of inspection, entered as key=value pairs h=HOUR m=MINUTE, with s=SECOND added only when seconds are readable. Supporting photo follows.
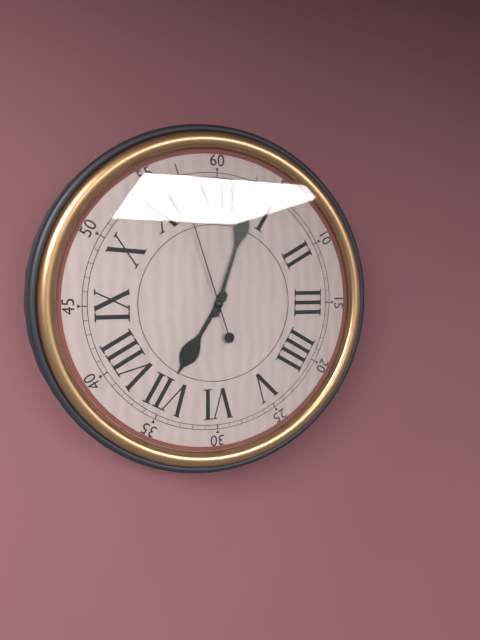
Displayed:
h=7 m=3 s=57
